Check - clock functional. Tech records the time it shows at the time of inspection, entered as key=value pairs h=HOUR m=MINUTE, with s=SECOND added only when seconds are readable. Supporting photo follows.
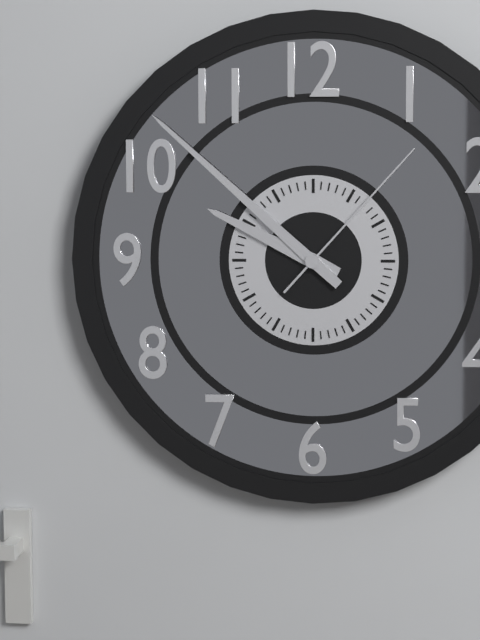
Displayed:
h=9 m=52 s=7
